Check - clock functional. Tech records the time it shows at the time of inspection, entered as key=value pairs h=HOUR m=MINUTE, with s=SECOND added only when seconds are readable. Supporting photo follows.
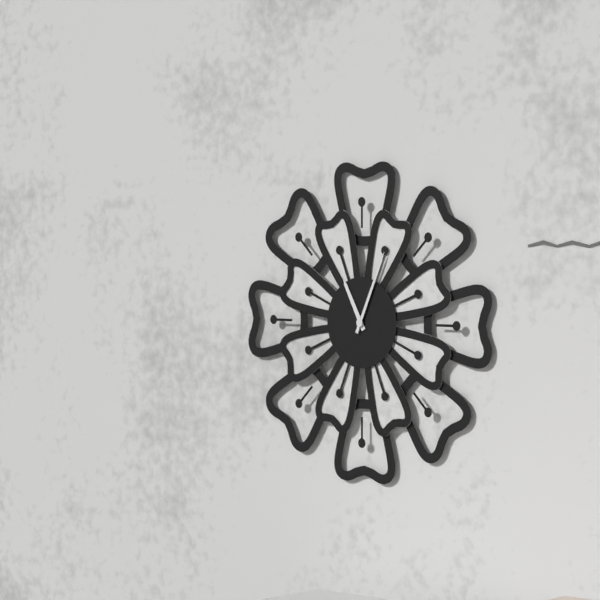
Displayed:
h=11 m=4
